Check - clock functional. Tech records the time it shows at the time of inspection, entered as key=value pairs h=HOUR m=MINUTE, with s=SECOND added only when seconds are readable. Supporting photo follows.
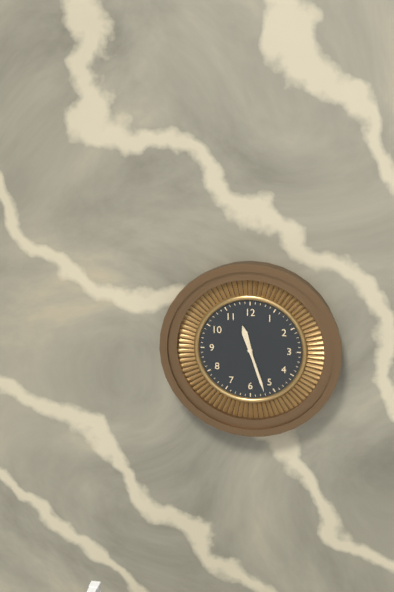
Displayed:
h=11 m=27
